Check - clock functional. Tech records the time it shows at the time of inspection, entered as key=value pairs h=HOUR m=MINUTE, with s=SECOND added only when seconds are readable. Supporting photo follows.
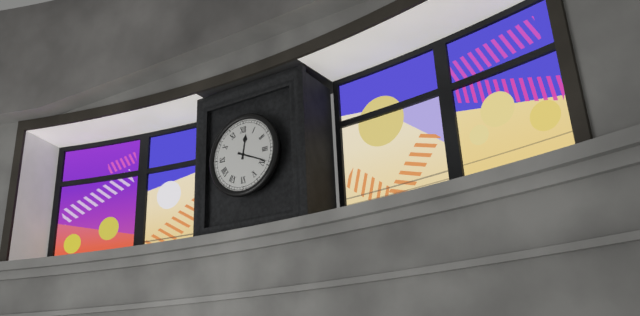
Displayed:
h=12 m=19
